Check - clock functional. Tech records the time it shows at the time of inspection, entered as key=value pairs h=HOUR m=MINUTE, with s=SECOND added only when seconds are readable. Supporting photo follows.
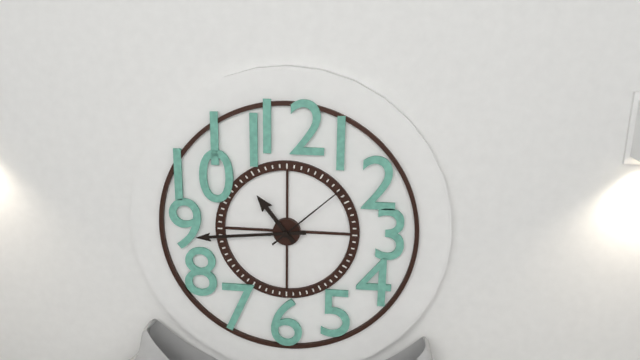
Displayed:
h=10 m=44 s=8
